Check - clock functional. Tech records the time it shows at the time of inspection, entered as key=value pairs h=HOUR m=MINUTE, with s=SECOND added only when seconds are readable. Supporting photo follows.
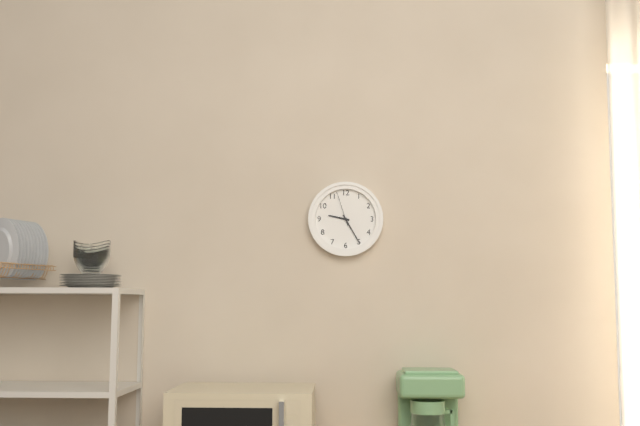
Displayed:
h=9 m=25
